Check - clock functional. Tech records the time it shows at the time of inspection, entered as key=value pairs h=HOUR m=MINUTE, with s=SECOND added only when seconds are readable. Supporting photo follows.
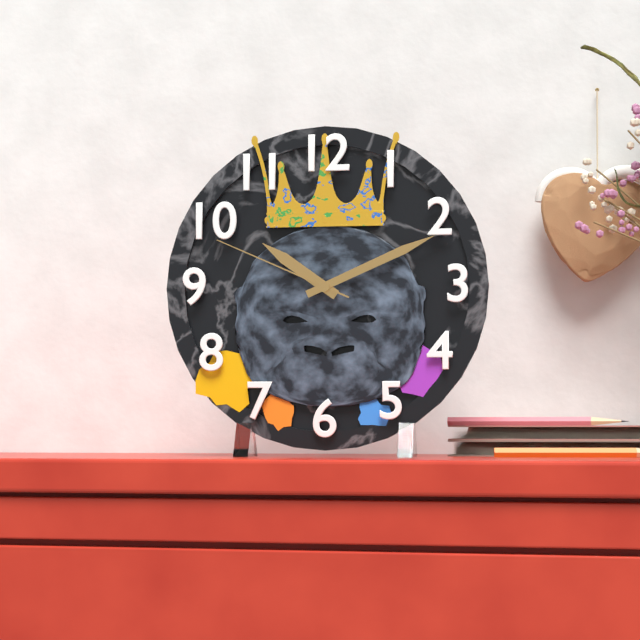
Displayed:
h=10 m=11 s=49
